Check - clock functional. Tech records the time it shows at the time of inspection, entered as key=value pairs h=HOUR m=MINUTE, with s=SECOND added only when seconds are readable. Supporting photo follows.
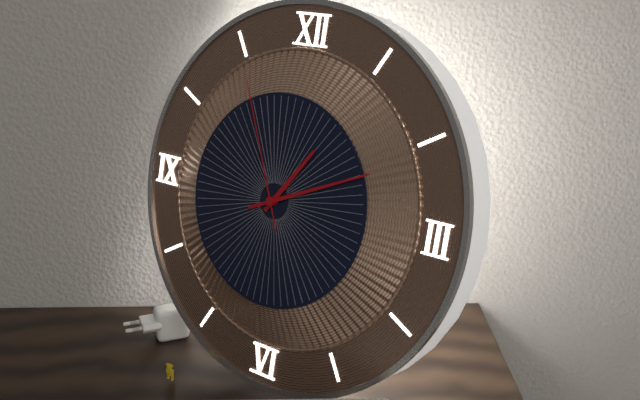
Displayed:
h=1 m=11 s=56
